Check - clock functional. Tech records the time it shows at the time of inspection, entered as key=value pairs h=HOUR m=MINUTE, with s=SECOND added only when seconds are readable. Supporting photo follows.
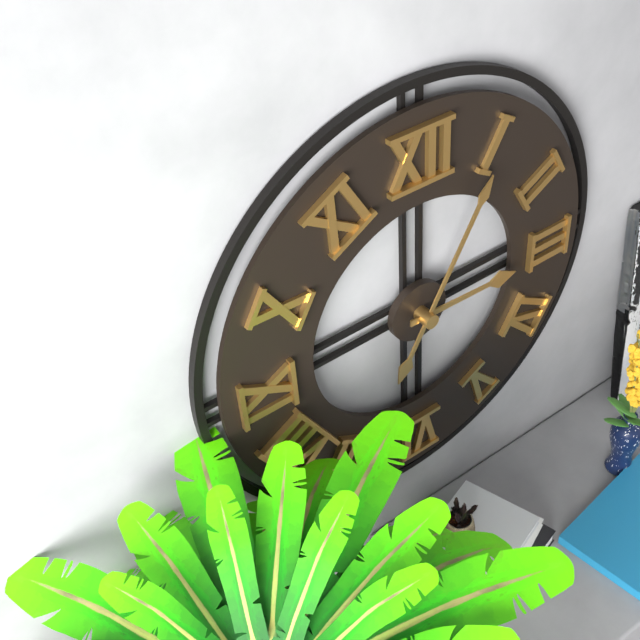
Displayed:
h=3 m=5
